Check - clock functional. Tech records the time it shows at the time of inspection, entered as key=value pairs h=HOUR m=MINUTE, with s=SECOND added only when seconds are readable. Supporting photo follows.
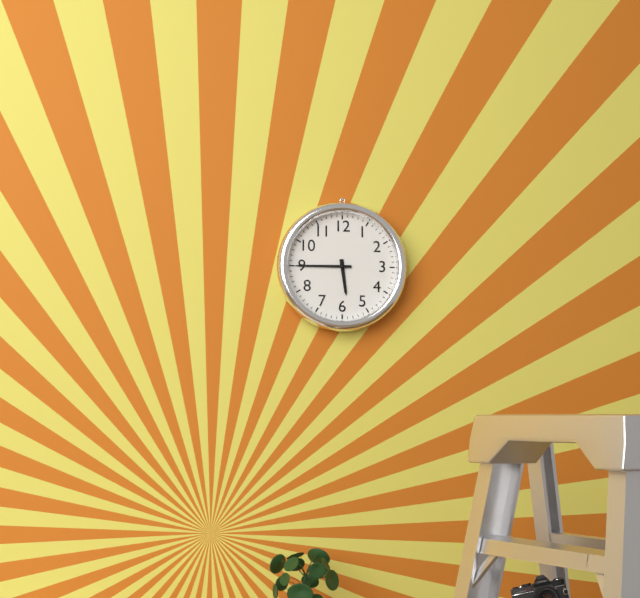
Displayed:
h=5 m=45
